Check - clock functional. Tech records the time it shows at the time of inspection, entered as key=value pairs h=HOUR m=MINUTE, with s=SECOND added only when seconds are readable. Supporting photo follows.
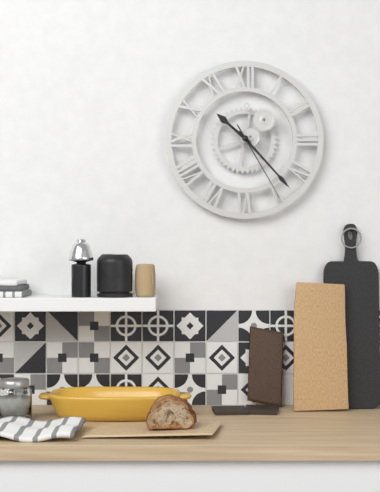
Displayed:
h=10 m=23 s=25
